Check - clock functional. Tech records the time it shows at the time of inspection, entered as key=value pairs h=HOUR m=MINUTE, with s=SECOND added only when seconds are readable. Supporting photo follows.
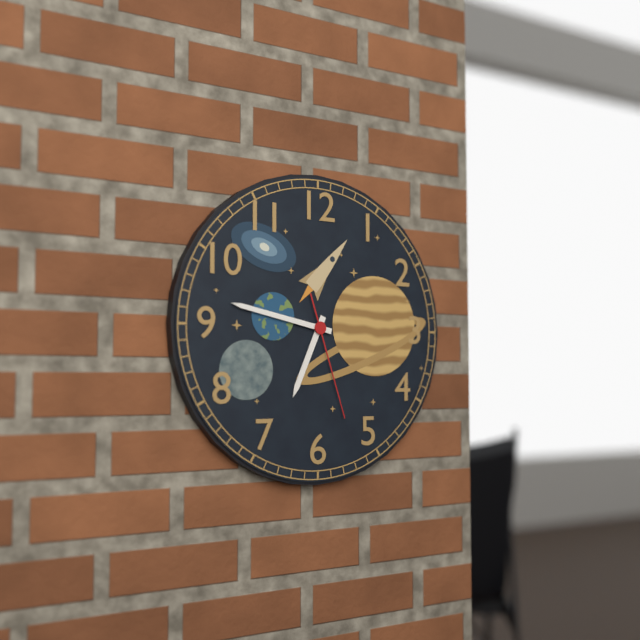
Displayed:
h=6 m=47 s=27
